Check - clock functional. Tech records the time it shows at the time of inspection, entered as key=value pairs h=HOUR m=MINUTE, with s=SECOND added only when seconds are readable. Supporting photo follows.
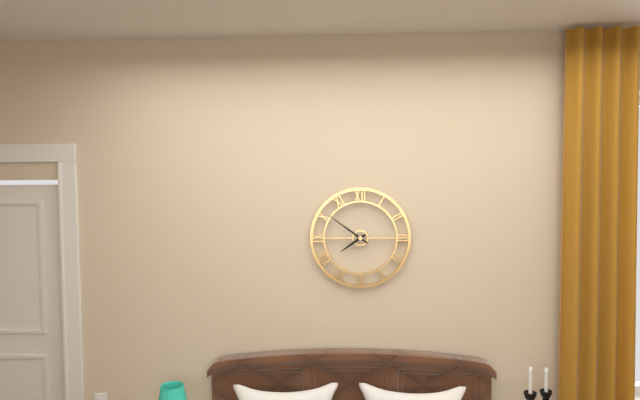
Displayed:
h=7 m=51
